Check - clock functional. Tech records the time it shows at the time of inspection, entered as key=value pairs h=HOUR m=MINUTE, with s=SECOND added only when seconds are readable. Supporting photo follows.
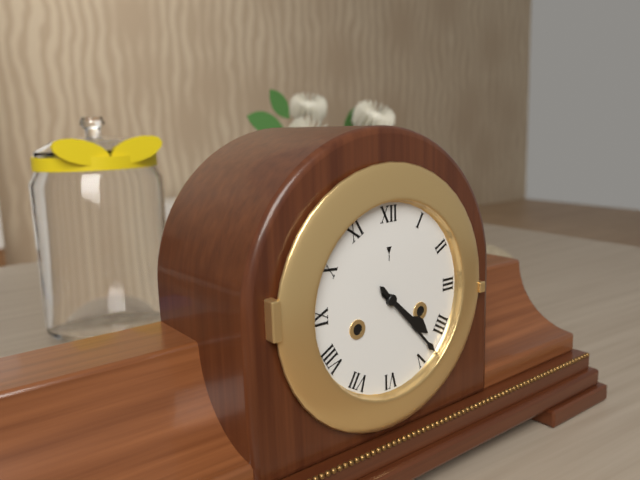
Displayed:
h=4 m=23
